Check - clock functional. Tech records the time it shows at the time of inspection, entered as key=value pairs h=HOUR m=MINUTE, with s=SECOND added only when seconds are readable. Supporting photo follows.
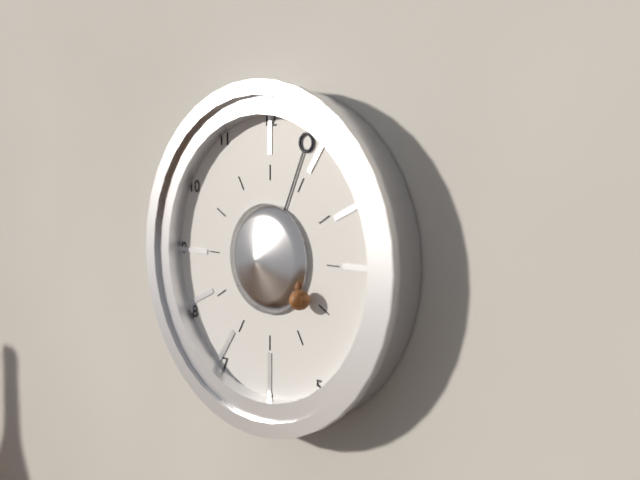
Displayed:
h=4 m=4
